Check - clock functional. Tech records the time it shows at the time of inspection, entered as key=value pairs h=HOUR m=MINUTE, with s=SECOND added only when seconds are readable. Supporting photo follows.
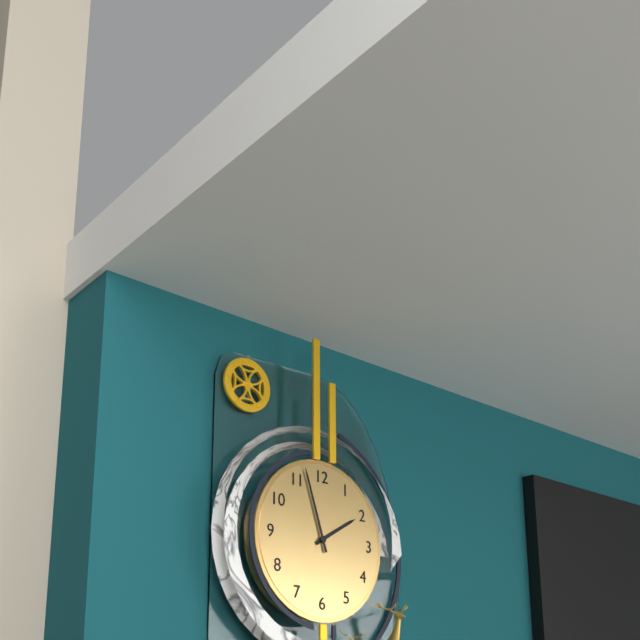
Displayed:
h=1 m=57
